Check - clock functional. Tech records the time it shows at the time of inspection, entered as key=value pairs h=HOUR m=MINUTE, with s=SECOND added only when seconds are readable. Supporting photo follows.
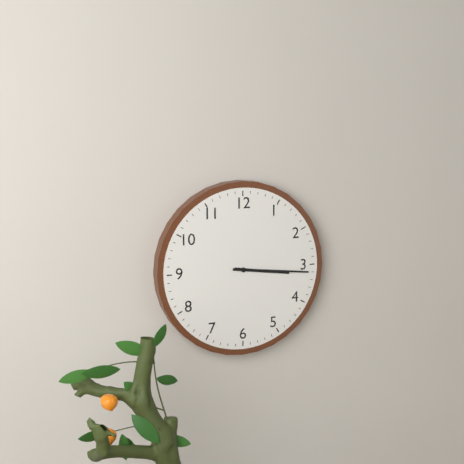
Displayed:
h=3 m=16
